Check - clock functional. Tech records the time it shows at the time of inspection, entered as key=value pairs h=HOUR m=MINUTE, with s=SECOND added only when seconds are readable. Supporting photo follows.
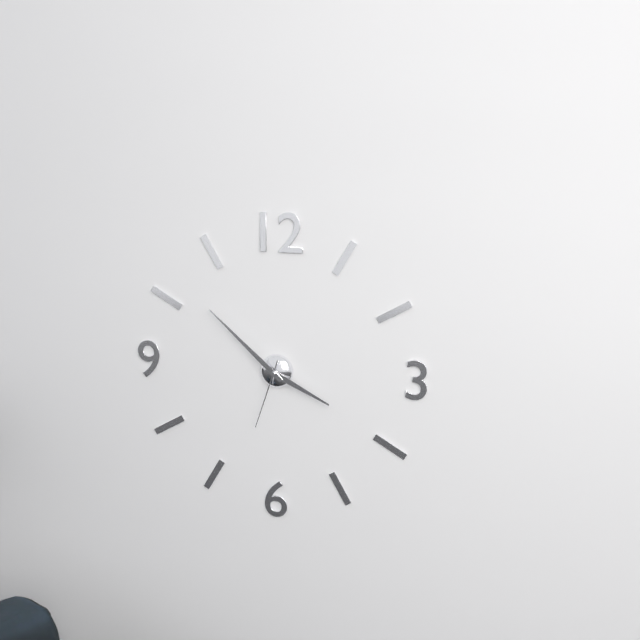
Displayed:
h=3 m=52 s=33
